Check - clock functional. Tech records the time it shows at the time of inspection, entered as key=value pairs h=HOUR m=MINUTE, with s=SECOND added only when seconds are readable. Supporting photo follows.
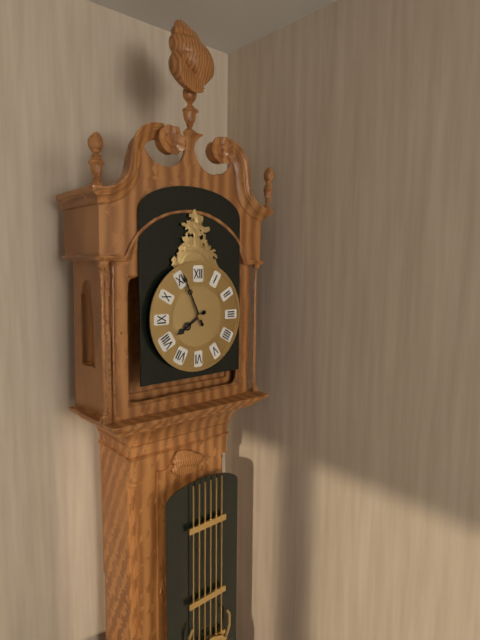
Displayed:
h=7 m=56
